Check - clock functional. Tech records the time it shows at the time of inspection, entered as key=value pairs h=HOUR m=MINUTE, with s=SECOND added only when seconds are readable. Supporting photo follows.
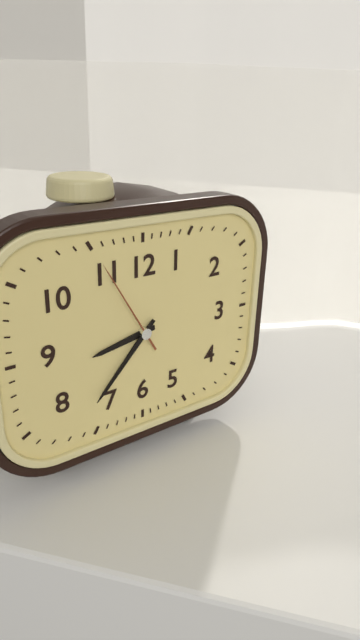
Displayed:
h=8 m=37 s=55
